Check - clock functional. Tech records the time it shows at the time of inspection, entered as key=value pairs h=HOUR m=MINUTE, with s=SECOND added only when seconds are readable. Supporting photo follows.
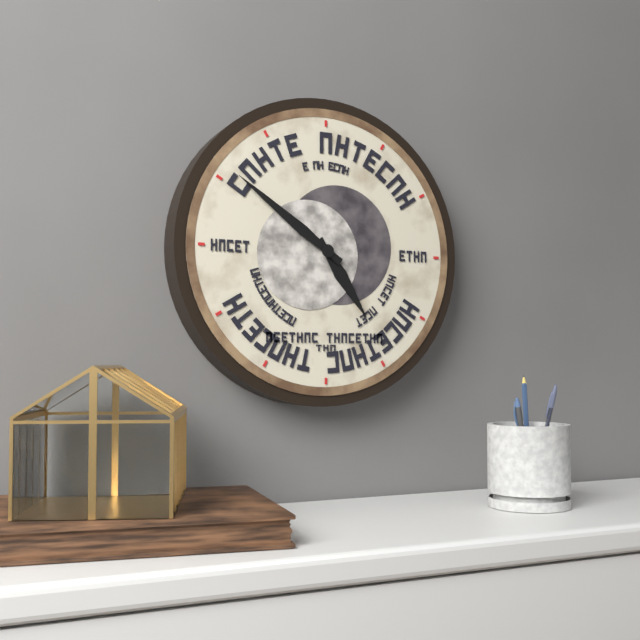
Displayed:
h=4 m=51
